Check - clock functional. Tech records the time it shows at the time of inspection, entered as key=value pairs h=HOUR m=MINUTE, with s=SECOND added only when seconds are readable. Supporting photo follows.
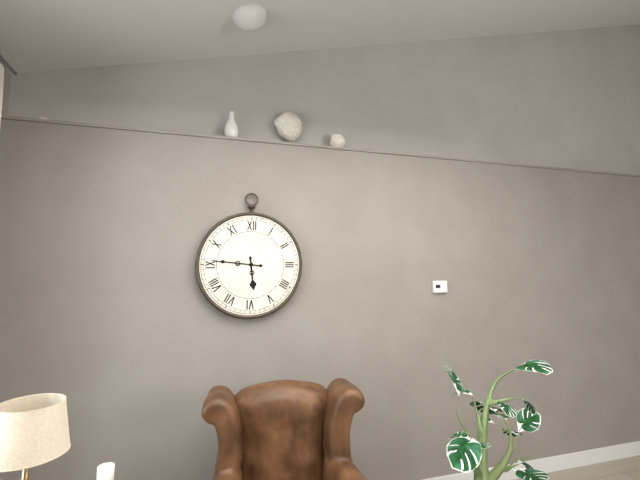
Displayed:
h=5 m=46
